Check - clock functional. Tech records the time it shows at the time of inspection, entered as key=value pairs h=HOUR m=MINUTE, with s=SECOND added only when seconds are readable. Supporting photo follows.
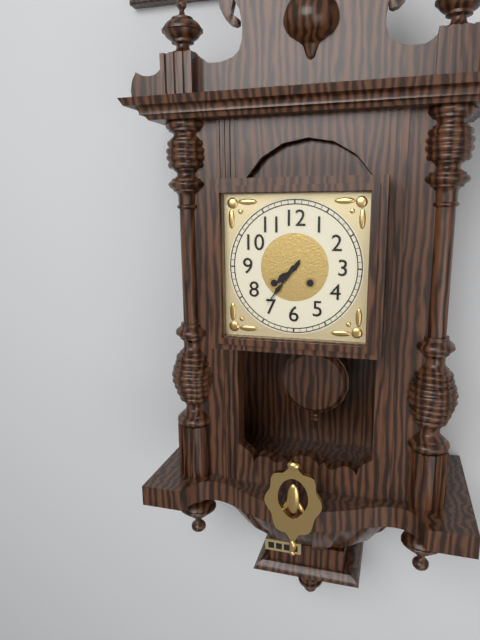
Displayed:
h=7 m=36
